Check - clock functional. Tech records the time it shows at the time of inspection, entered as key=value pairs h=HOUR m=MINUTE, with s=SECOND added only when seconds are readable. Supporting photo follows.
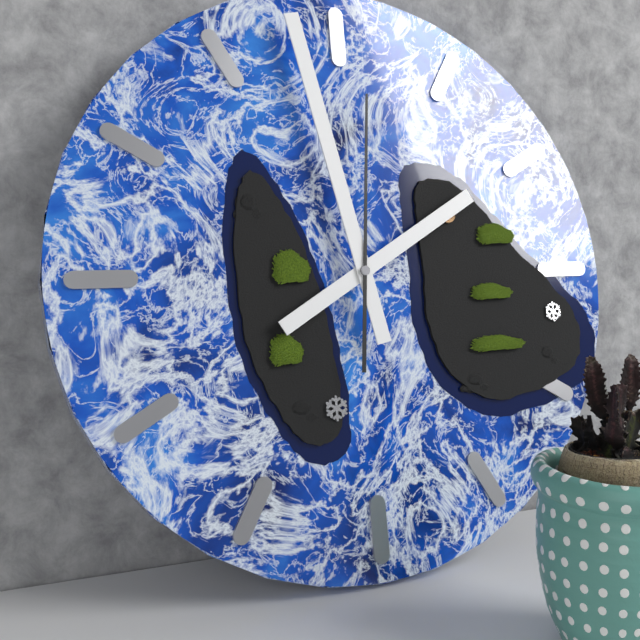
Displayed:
h=1 m=58 s=1
